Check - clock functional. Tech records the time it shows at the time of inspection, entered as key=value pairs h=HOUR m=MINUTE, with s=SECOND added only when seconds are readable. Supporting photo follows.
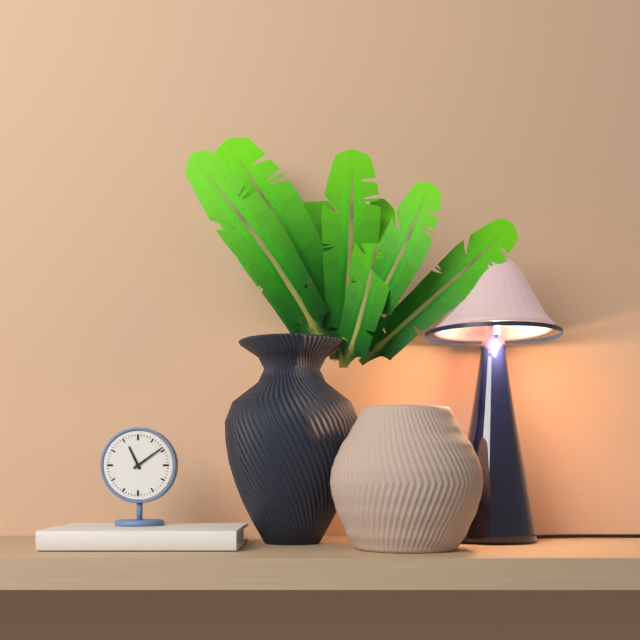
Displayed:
h=11 m=9
